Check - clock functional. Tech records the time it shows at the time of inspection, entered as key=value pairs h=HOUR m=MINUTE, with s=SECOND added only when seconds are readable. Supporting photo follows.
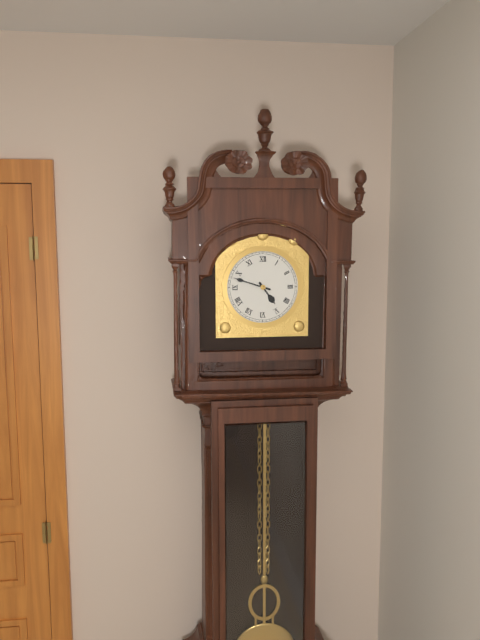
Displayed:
h=4 m=48
